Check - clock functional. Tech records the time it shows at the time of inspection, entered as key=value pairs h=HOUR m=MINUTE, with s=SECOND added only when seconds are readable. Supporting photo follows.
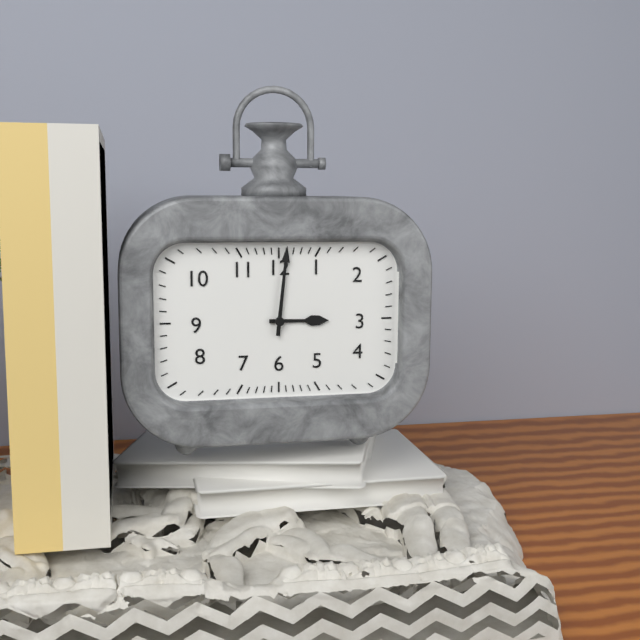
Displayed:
h=3 m=1
